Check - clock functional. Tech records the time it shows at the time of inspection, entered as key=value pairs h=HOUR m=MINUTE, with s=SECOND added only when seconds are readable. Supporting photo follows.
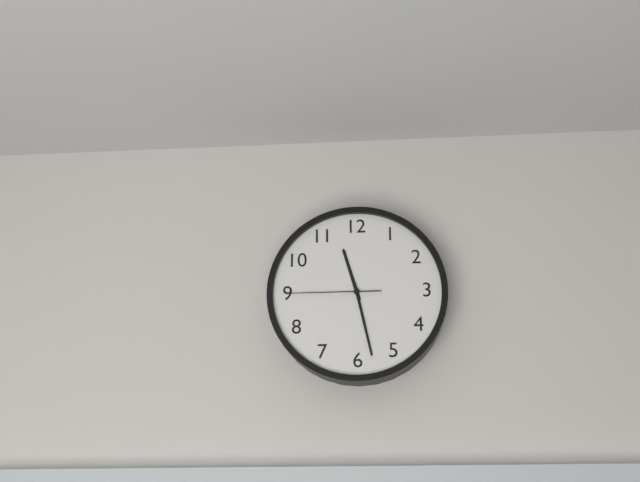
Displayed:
h=11 m=28 s=45
